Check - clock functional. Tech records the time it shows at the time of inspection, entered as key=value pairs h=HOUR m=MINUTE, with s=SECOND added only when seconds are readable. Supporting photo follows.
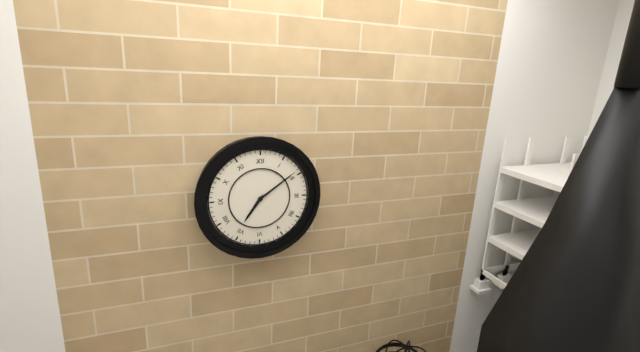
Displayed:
h=7 m=9
